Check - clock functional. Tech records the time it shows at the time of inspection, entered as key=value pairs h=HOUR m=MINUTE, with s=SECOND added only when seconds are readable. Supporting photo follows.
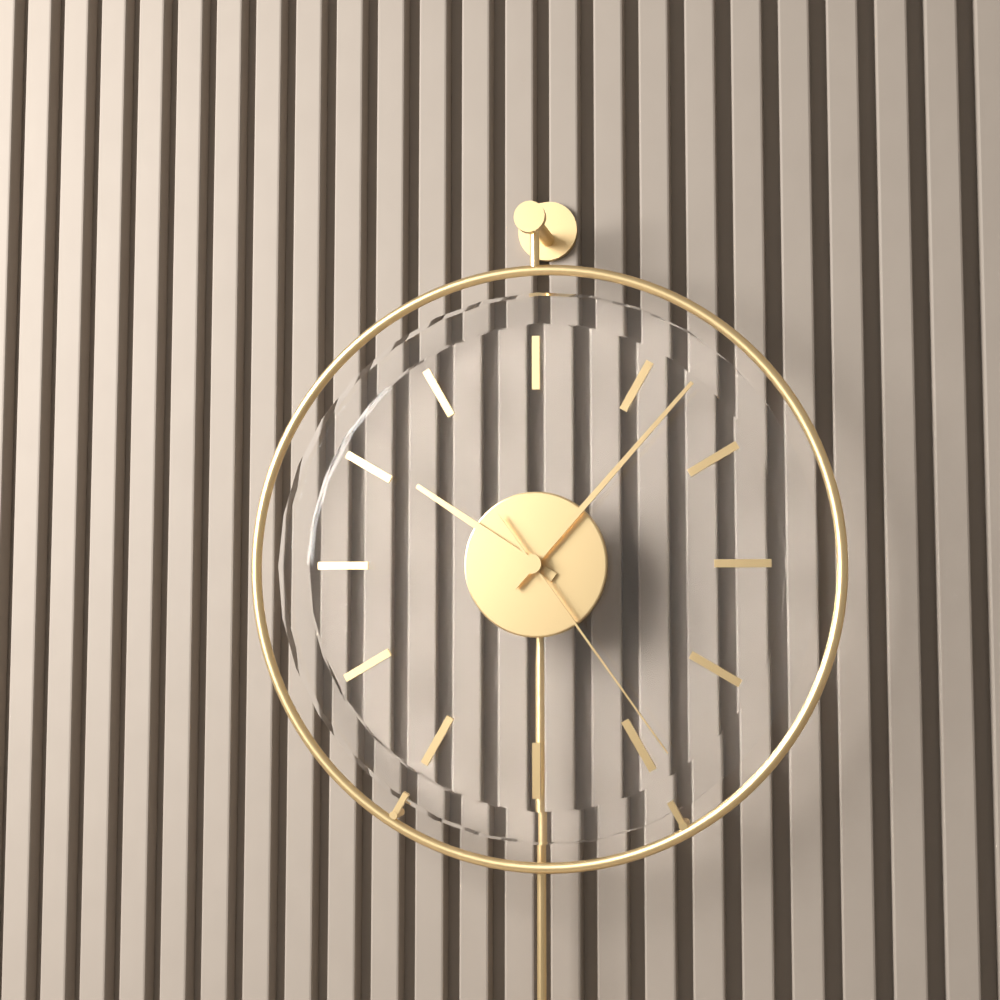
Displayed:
h=10 m=7 s=24
